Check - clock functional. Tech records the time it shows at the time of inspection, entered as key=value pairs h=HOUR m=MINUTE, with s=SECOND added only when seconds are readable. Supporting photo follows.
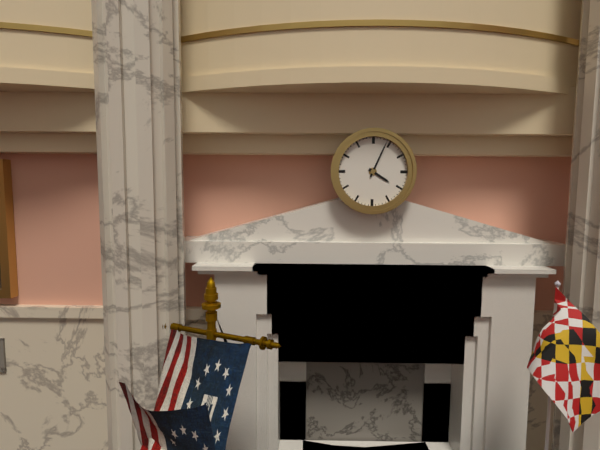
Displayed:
h=4 m=4
